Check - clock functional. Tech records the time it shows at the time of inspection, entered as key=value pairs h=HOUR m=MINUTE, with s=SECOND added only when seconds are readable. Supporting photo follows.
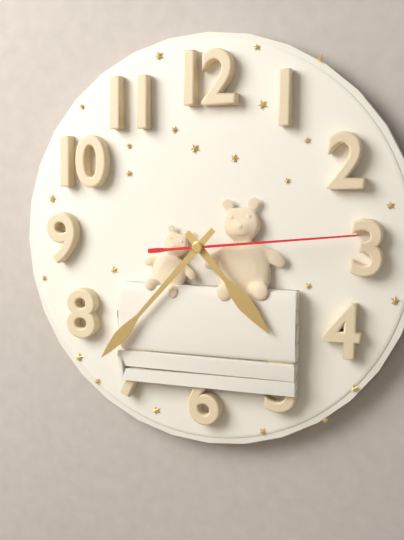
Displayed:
h=4 m=37 s=14
